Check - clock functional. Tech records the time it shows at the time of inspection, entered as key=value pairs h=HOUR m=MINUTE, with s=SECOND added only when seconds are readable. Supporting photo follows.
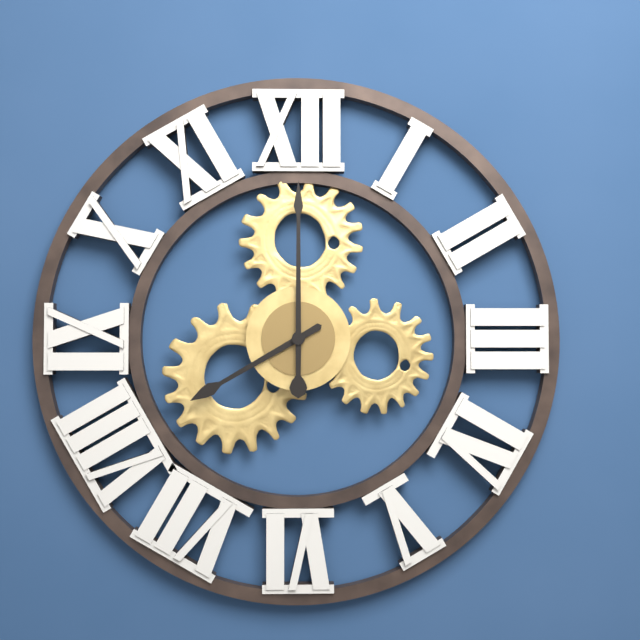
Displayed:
h=8 m=0
